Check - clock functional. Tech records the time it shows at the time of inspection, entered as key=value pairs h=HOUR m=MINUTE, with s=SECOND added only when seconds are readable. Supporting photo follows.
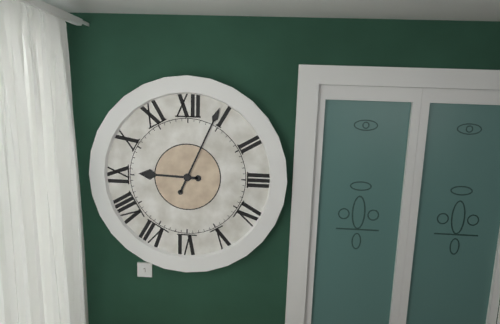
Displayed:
h=9 m=4
